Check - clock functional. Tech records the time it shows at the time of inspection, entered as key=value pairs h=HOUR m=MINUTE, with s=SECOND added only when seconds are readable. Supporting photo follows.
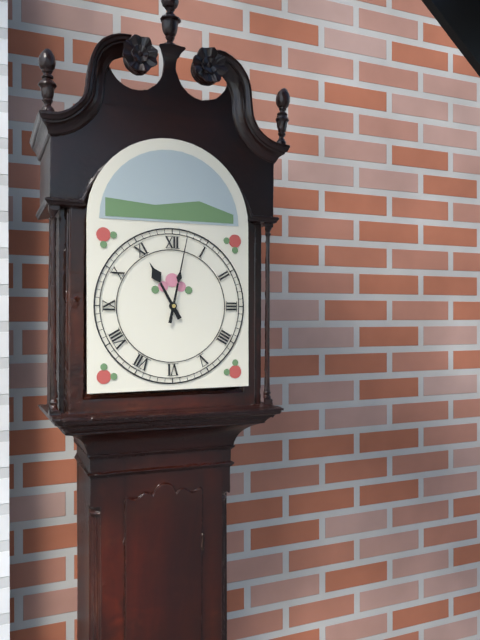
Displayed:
h=11 m=2
